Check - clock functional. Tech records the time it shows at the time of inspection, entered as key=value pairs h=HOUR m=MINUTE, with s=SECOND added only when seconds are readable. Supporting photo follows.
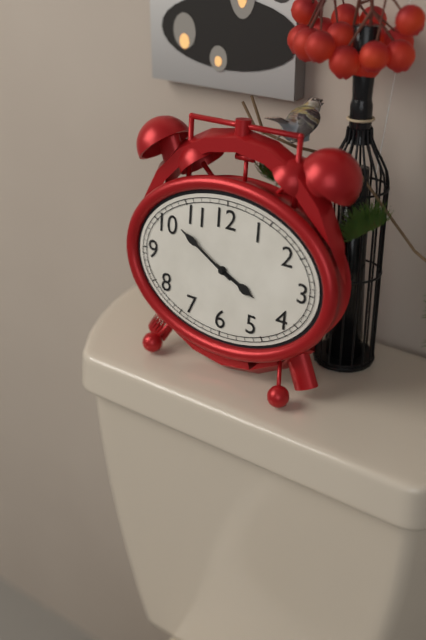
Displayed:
h=3 m=50
